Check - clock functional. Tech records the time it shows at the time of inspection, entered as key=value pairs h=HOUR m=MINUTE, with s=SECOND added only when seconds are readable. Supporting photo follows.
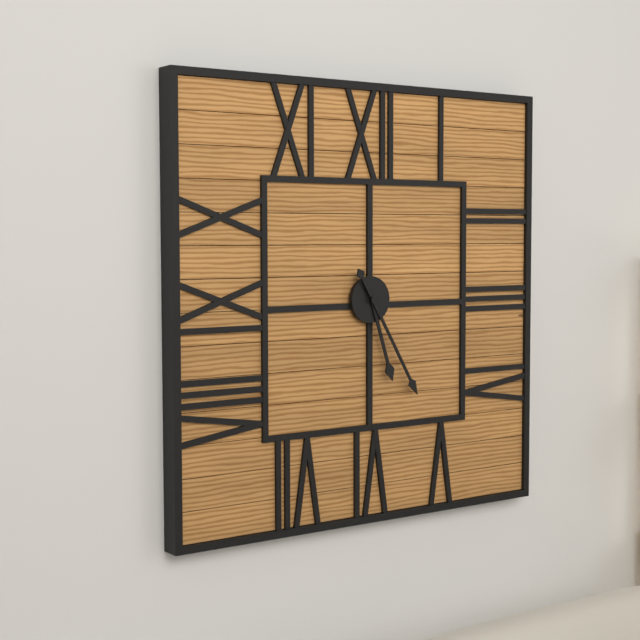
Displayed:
h=5 m=25
